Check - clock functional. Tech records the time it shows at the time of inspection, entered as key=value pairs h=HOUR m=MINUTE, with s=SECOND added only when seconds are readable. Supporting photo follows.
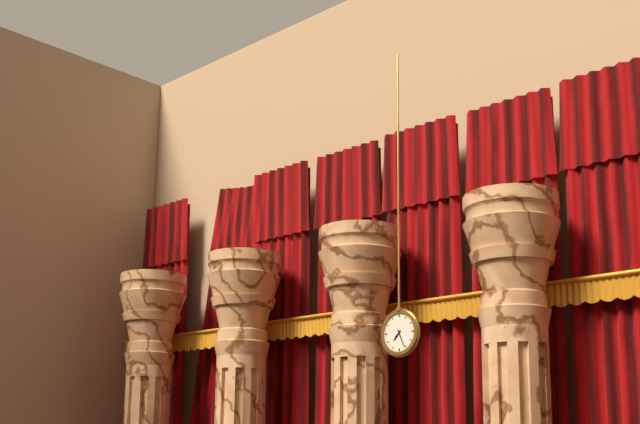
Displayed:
h=7 m=26
